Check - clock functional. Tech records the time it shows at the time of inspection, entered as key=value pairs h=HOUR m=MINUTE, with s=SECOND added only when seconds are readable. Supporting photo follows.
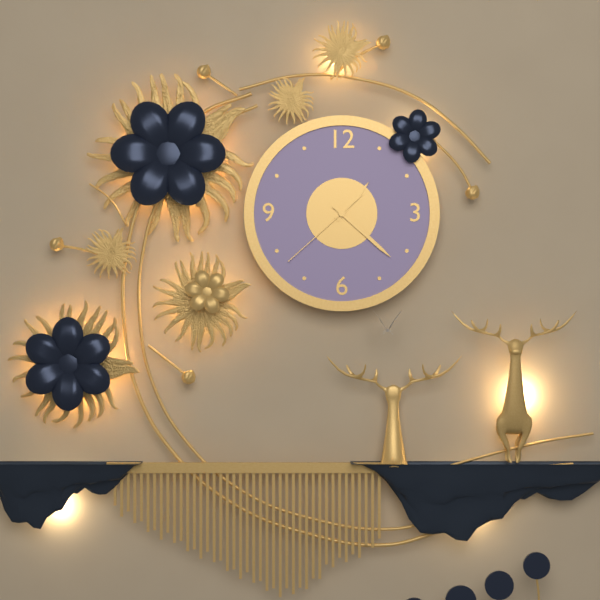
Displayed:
h=1 m=22 s=38
